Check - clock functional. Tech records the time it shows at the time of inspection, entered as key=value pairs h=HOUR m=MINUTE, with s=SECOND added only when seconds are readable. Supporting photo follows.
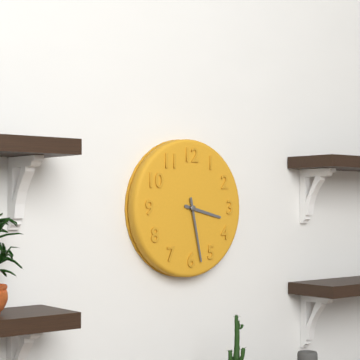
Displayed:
h=3 m=28
